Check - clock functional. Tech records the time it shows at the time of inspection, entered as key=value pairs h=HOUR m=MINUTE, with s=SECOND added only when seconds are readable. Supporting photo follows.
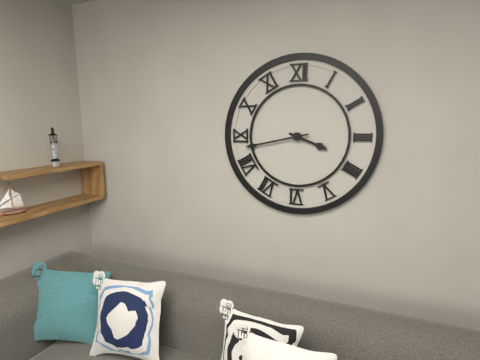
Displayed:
h=3 m=43
